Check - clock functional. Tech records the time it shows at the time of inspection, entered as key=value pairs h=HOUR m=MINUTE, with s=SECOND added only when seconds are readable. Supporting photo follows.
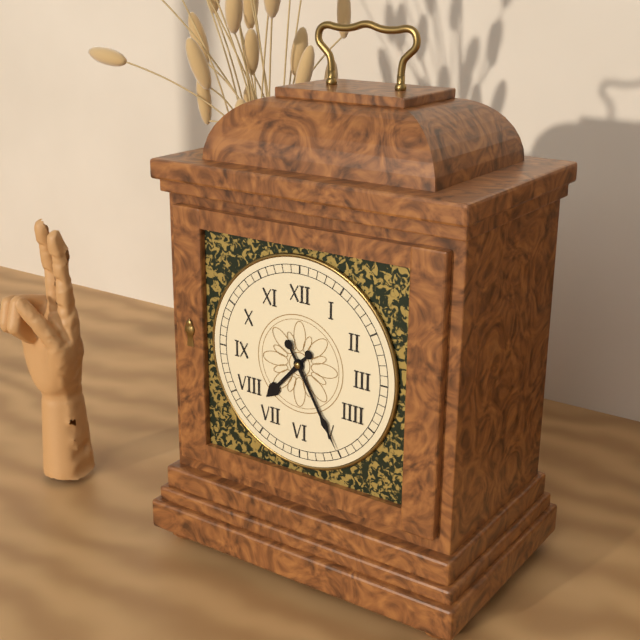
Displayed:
h=7 m=25
